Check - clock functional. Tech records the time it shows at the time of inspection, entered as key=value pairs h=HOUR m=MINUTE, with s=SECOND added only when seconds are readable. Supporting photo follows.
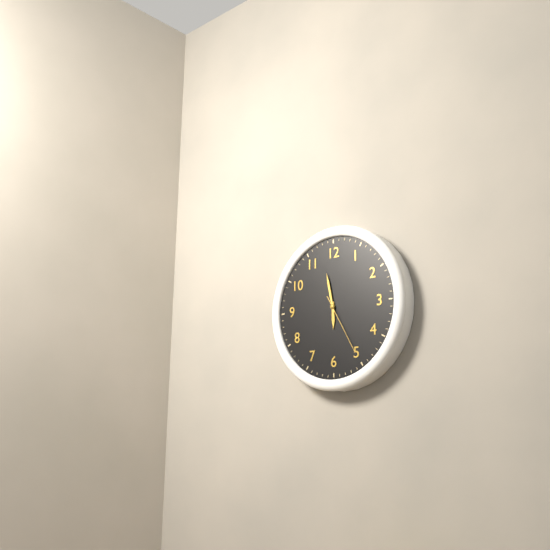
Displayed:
h=5 m=58 s=25
